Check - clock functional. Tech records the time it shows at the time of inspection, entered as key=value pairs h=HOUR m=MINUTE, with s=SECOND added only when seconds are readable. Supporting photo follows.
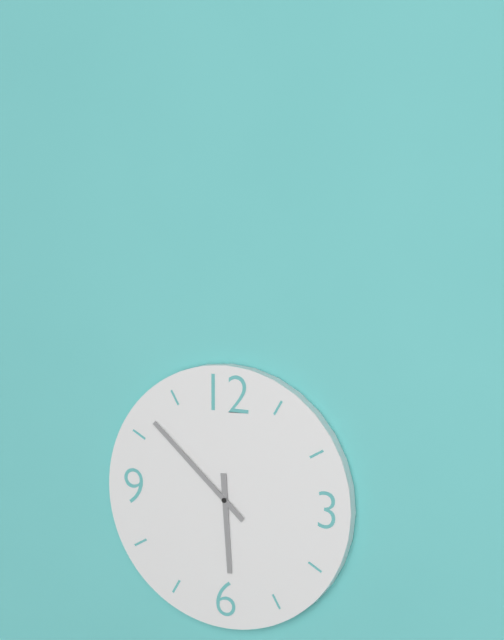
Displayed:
h=5 m=52
